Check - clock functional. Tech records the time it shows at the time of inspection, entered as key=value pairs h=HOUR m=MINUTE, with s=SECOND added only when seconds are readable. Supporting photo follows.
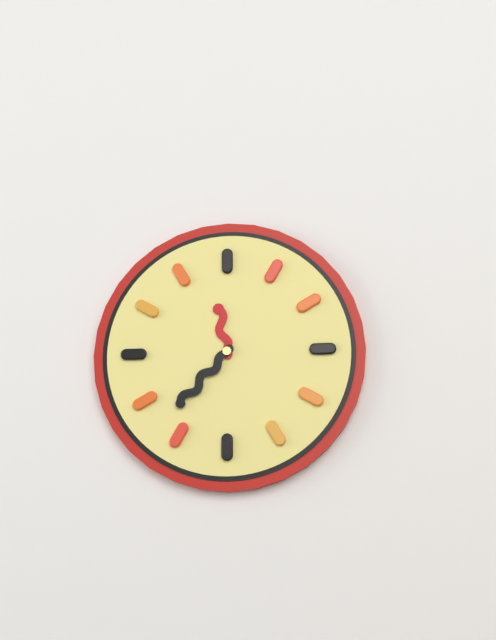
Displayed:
h=11 m=37
